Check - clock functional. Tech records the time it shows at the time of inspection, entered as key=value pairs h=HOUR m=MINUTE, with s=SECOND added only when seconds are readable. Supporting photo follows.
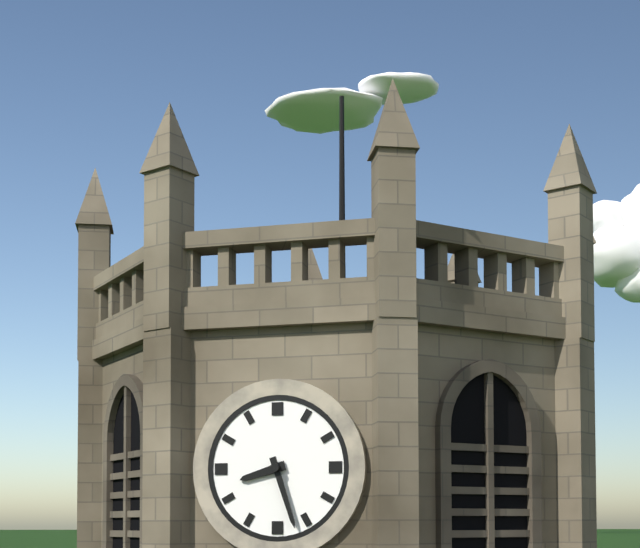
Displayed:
h=8 m=27
